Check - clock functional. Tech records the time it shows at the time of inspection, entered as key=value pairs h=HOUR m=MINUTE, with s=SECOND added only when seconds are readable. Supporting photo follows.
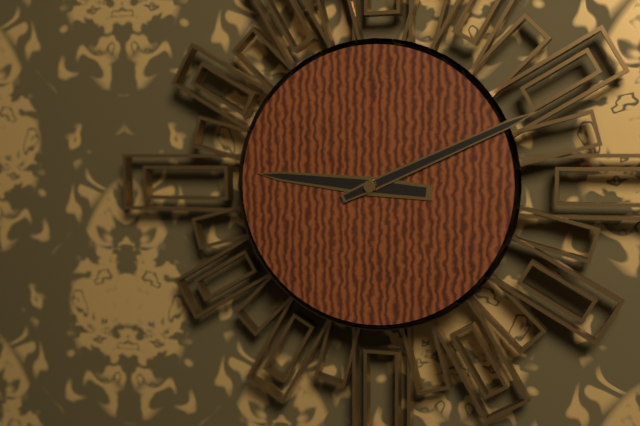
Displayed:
h=9 m=11
